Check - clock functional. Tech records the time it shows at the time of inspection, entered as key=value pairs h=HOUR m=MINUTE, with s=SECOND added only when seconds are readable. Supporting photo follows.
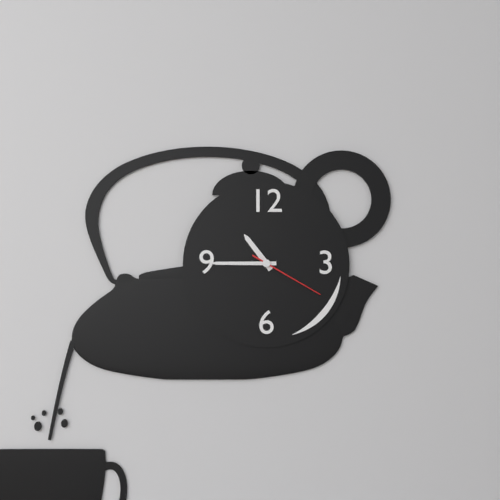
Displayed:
h=10 m=45 s=20
